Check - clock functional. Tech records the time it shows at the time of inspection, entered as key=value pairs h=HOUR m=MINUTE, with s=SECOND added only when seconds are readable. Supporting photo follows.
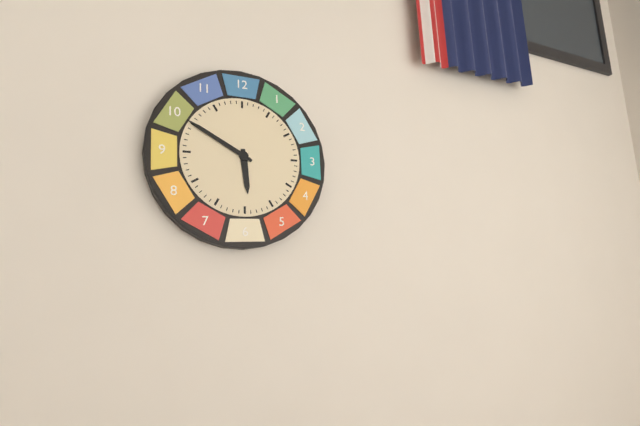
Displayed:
h=5 m=50
